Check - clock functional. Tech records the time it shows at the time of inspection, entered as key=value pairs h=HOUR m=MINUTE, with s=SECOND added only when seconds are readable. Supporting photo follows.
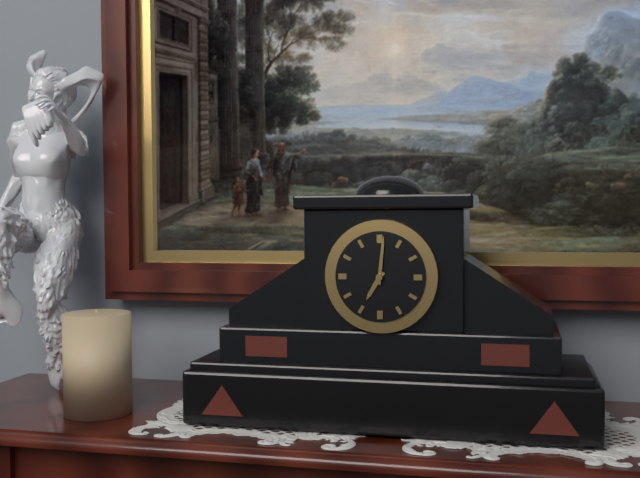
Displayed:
h=7 m=1
